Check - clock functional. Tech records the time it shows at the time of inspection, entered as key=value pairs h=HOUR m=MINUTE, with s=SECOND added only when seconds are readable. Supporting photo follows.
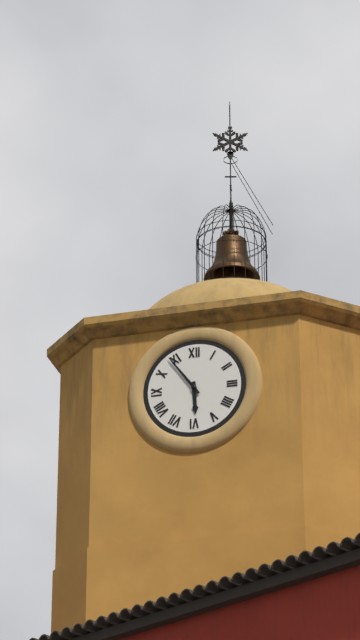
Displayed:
h=5 m=54
